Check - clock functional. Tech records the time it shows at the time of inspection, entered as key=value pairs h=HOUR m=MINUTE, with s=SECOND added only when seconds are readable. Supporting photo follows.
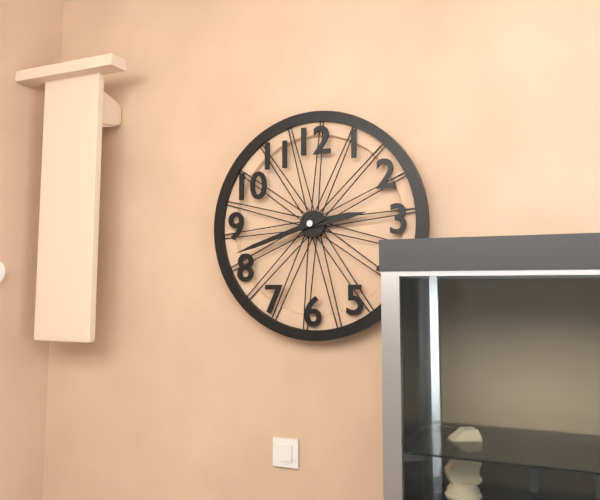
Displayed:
h=2 m=42
